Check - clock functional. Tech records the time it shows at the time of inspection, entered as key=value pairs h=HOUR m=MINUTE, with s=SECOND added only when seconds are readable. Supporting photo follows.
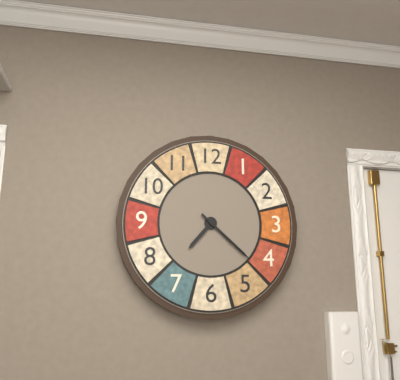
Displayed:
h=7 m=22
